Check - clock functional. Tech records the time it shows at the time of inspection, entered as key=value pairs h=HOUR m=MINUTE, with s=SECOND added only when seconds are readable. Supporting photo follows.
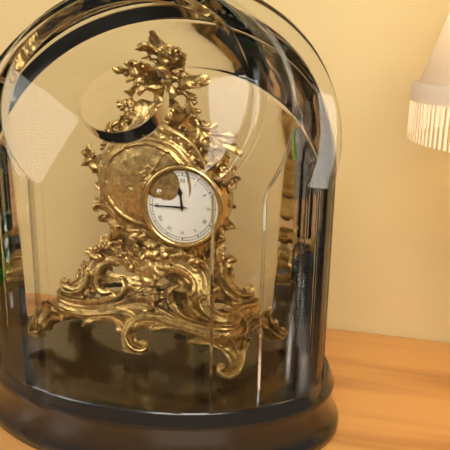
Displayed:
h=11 m=45
